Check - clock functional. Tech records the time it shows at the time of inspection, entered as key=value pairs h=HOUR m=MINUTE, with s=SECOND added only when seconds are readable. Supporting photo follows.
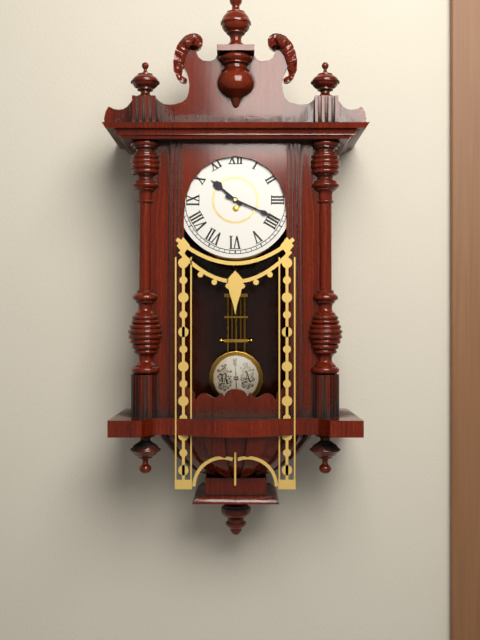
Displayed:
h=10 m=19
